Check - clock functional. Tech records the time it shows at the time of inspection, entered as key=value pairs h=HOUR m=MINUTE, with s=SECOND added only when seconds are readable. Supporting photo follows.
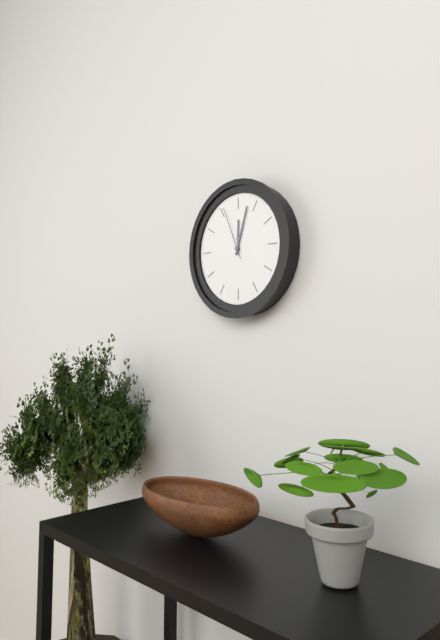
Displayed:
h=12 m=3 s=56
